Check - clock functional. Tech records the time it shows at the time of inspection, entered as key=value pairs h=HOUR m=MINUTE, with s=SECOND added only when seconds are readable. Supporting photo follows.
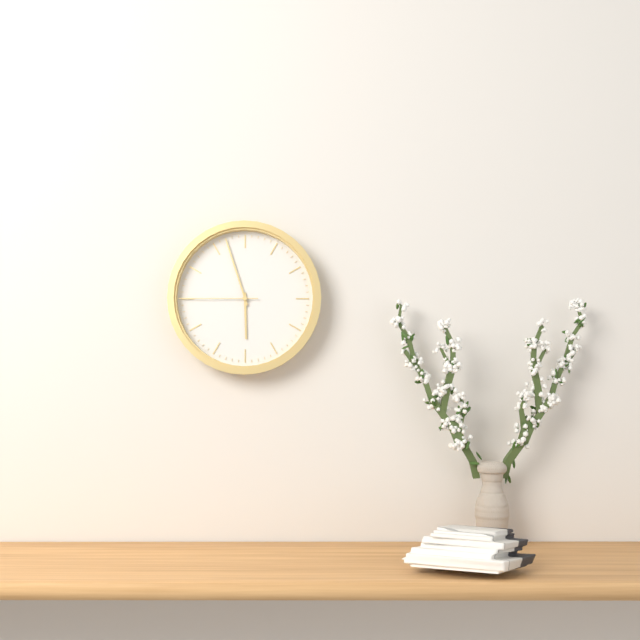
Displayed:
h=5 m=57 s=45
